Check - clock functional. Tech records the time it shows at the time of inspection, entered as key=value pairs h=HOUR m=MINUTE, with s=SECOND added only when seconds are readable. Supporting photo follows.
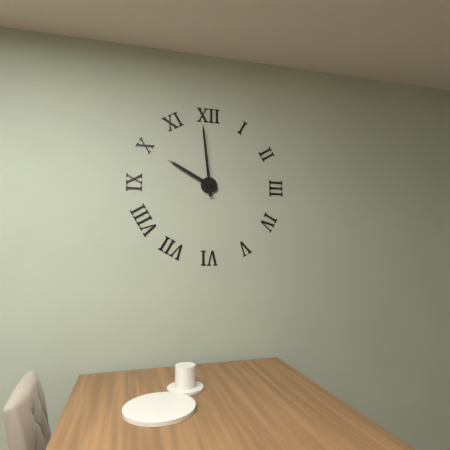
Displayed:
h=9 m=59
